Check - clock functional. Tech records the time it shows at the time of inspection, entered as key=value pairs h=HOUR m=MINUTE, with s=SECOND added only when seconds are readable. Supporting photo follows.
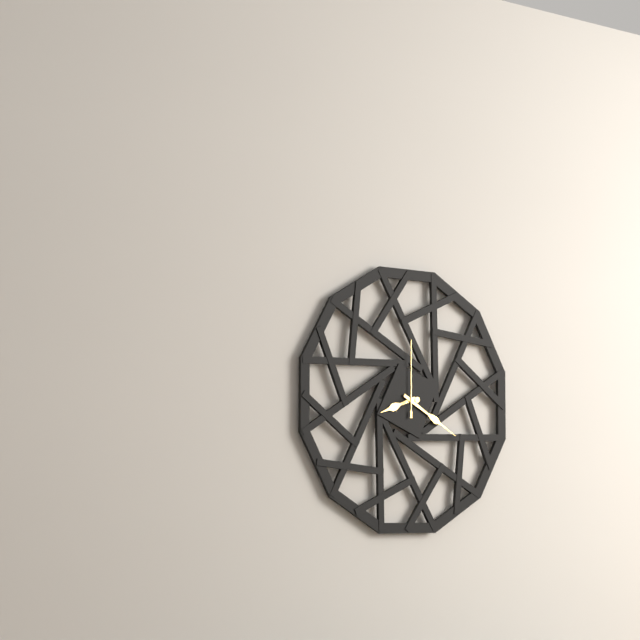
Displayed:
h=8 m=20 s=0
